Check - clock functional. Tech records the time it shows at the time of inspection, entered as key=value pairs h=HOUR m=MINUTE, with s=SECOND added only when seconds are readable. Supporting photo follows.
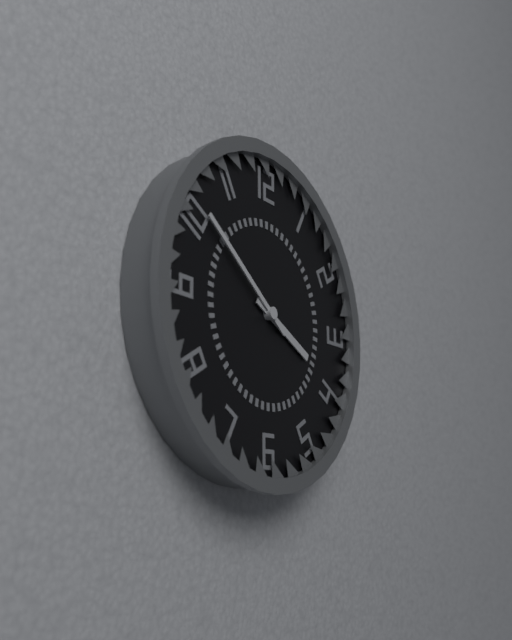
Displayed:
h=3 m=51
